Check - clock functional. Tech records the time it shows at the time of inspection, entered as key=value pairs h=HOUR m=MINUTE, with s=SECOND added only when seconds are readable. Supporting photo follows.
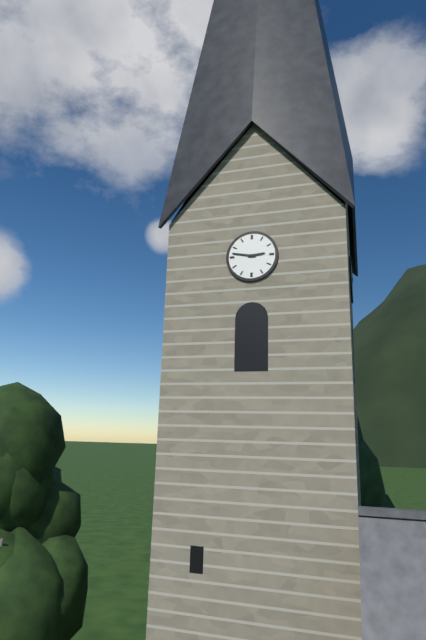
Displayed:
h=2 m=47
